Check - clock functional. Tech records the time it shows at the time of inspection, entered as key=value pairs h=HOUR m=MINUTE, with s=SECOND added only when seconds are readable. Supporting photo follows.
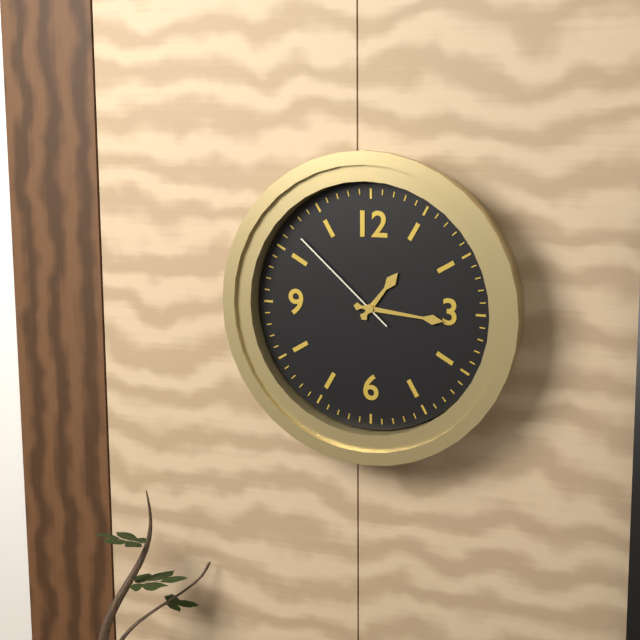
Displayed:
h=1 m=16 s=52
